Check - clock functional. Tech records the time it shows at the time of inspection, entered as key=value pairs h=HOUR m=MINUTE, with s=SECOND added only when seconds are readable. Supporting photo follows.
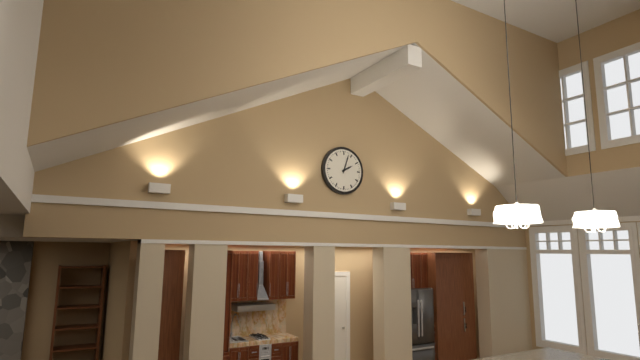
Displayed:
h=2 m=3
